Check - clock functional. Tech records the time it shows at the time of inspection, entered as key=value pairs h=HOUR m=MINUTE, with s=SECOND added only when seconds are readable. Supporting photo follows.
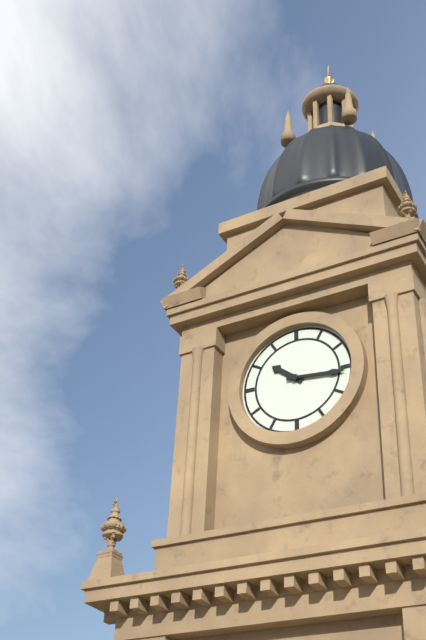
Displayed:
h=10 m=16
